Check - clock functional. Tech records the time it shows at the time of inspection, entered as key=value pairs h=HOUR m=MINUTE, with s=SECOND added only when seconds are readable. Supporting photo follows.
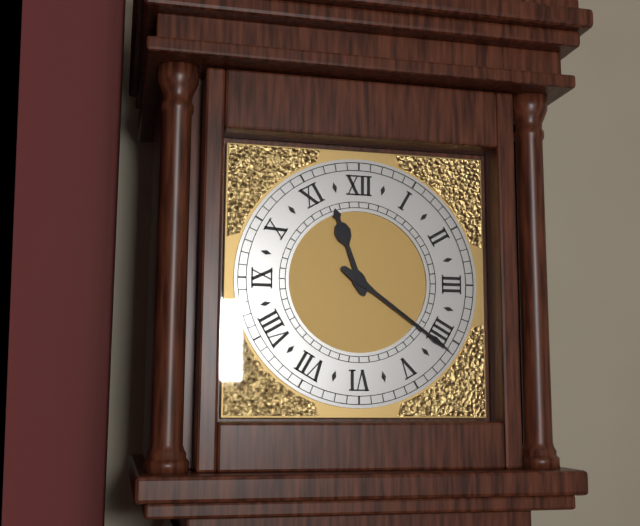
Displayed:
h=11 m=21
